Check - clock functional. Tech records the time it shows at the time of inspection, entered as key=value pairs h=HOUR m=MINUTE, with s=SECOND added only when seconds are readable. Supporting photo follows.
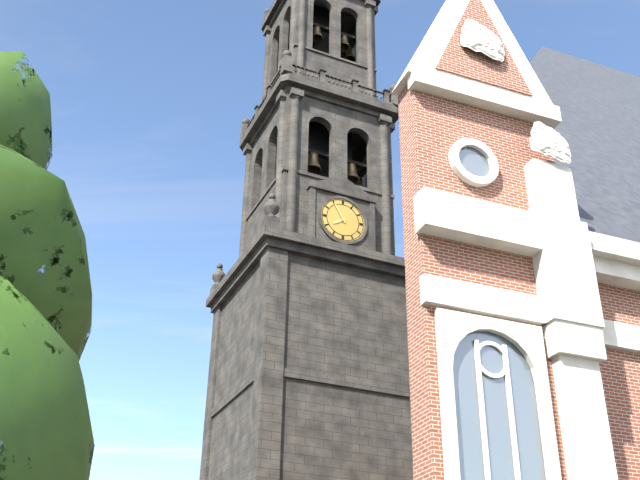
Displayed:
h=7 m=55
